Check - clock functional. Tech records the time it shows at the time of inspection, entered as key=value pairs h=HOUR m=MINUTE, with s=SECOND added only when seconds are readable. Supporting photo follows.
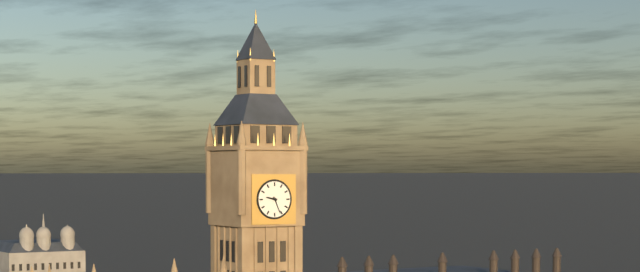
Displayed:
h=9 m=26
